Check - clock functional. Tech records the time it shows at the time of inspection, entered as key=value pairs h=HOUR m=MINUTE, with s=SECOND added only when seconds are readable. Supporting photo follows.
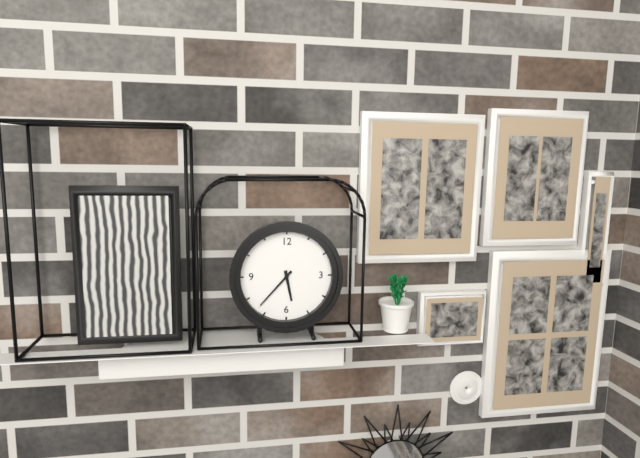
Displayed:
h=5 m=37
